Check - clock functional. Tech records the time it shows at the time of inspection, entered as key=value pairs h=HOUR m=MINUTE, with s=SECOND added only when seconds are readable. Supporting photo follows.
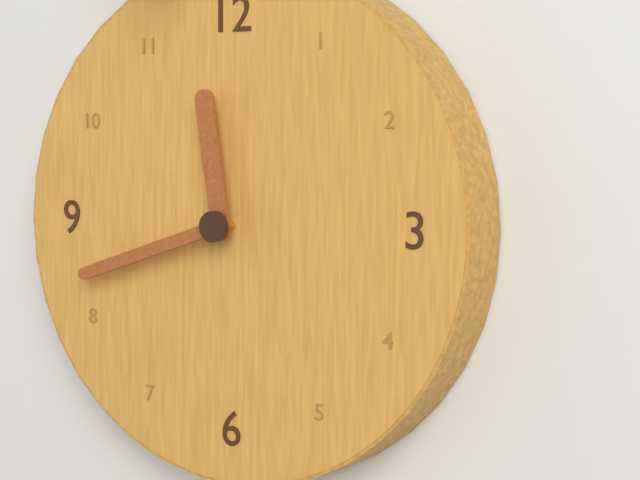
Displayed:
h=11 m=42
